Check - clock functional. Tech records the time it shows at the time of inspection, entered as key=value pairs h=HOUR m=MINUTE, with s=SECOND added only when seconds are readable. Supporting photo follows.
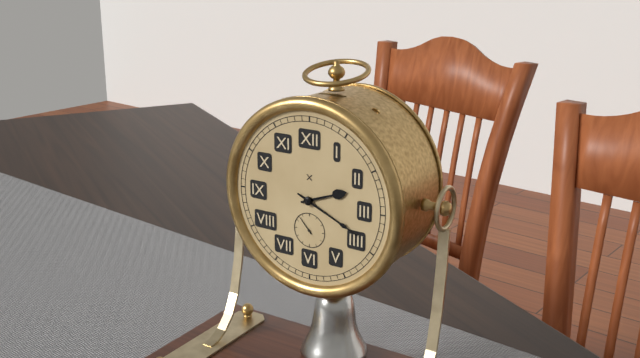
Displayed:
h=2 m=19
